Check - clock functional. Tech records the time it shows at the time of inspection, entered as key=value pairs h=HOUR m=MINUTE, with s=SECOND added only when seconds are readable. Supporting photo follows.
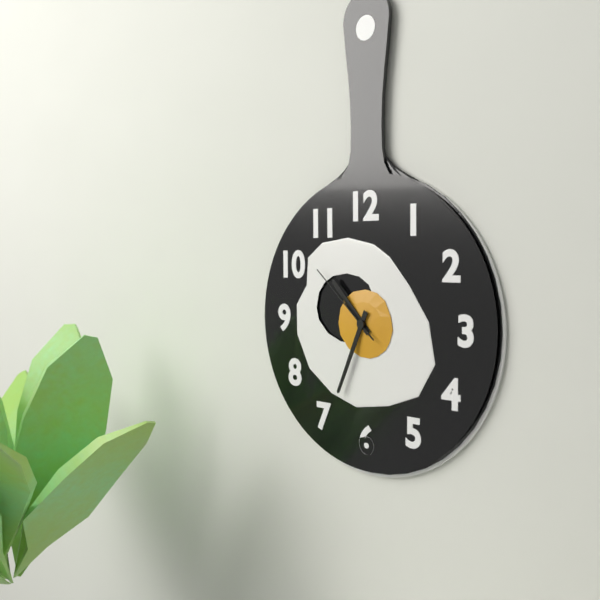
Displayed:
h=10 m=34 s=52
